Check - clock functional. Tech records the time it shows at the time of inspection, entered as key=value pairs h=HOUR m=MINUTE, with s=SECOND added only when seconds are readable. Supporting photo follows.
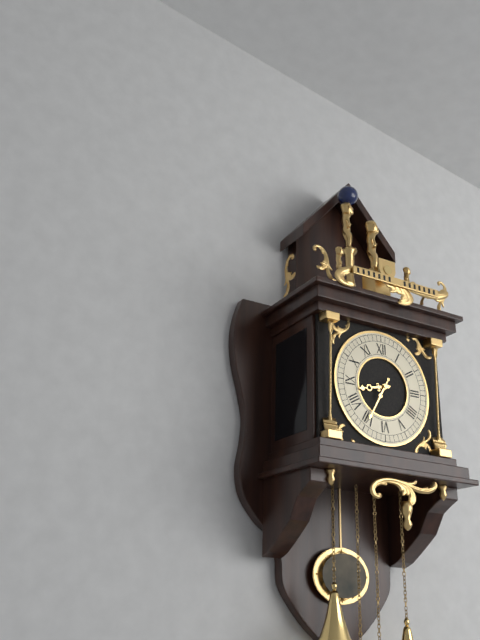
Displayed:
h=8 m=35
